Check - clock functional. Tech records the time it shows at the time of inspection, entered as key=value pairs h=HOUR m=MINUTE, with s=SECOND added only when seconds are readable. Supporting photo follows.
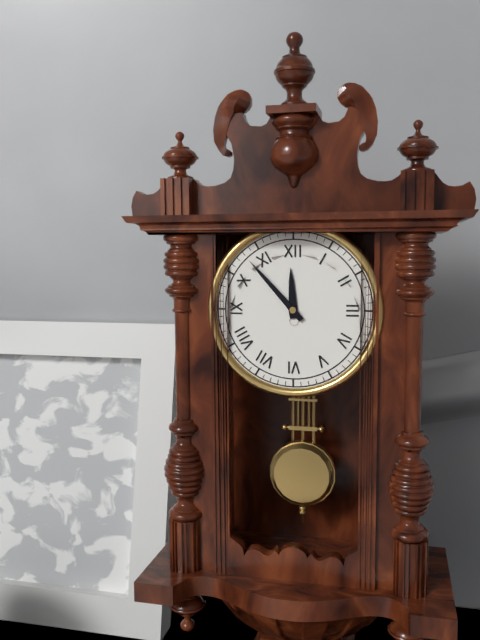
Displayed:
h=11 m=53
